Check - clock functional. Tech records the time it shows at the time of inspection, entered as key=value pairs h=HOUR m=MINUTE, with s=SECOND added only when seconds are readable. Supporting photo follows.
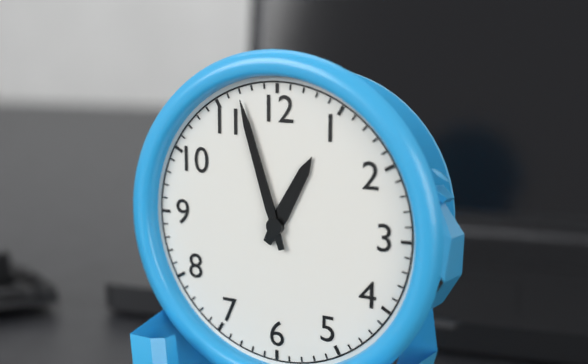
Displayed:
h=12 m=57
